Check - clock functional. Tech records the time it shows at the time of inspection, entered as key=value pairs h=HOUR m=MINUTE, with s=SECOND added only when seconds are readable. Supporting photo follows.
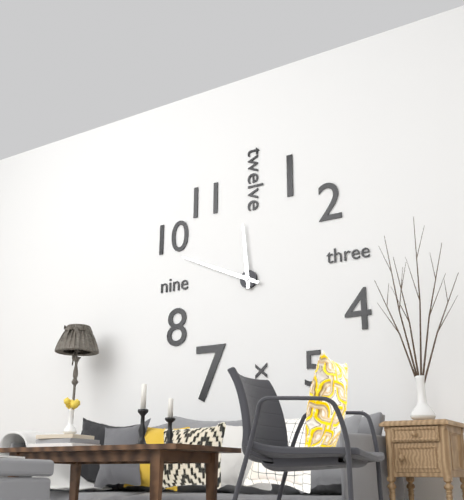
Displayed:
h=11 m=49
